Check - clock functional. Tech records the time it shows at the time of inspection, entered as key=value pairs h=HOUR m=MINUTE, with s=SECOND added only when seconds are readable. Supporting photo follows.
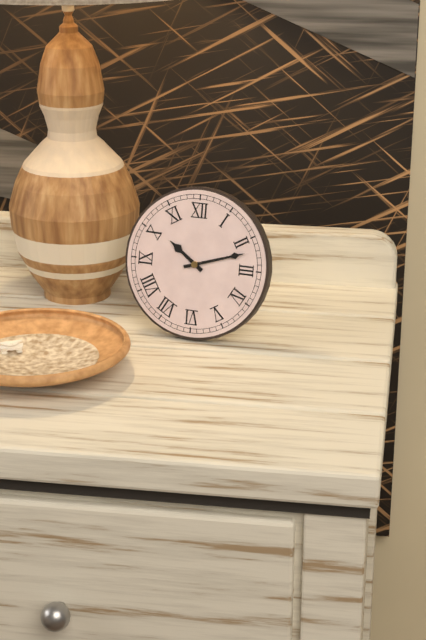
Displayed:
h=10 m=12
